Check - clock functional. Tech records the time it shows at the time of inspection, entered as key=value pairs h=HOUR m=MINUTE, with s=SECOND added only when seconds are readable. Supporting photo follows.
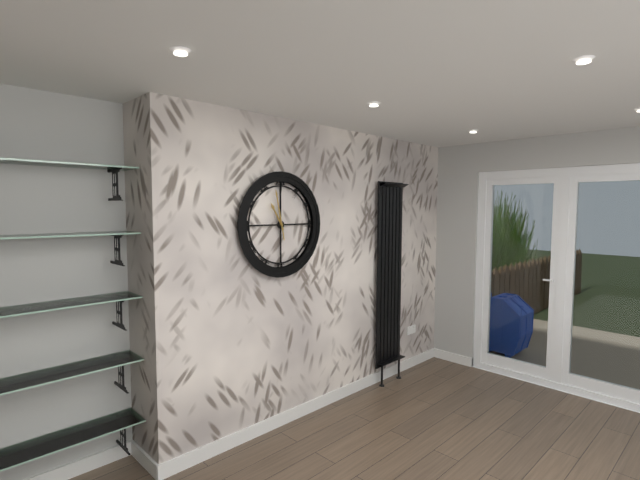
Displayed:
h=10 m=58
